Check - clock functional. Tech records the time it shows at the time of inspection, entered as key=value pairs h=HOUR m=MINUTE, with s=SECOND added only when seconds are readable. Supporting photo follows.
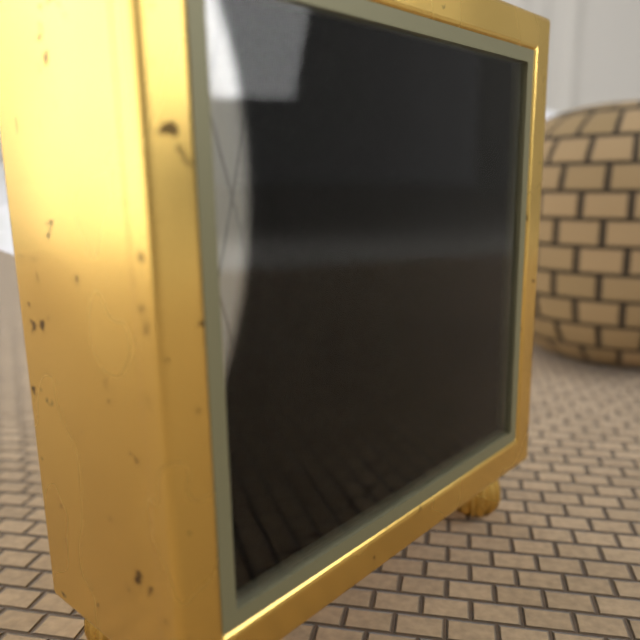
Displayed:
h=8 m=37
